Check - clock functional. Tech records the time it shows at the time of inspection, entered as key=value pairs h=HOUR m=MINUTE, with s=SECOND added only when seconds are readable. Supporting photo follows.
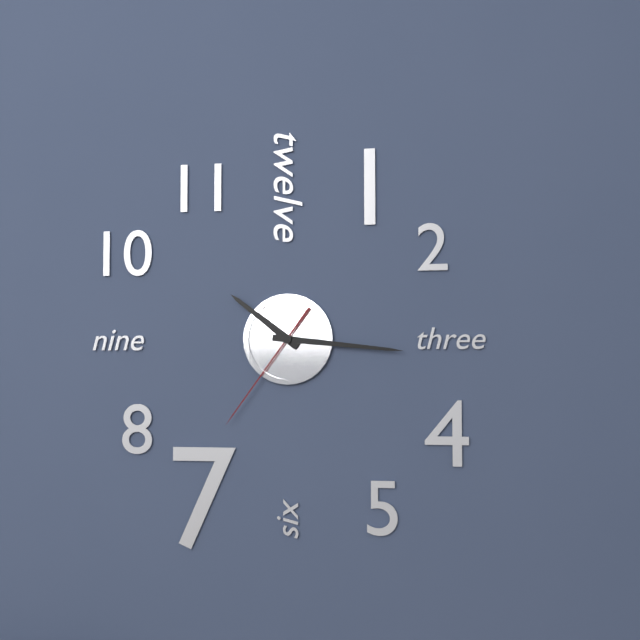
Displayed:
h=10 m=16 s=36
